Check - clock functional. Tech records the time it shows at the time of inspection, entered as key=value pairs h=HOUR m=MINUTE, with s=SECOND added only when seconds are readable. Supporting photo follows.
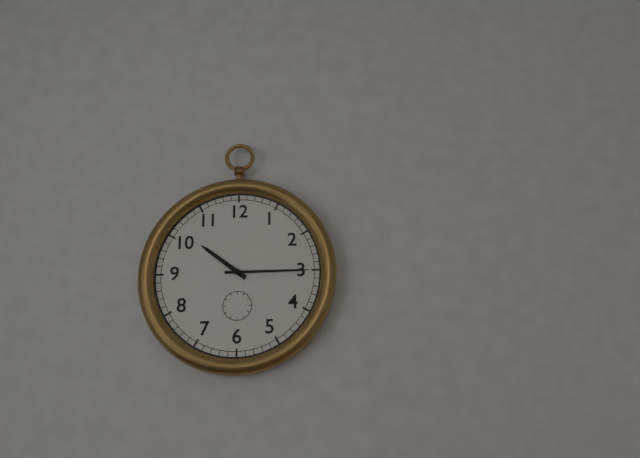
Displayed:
h=10 m=15
